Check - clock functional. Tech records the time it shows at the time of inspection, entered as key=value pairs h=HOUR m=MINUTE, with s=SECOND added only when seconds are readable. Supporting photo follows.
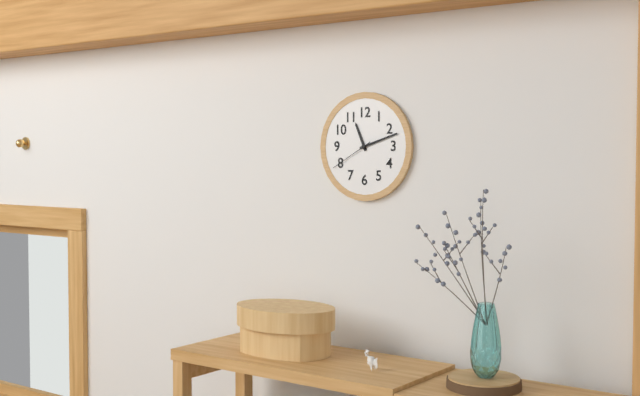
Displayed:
h=11 m=12
